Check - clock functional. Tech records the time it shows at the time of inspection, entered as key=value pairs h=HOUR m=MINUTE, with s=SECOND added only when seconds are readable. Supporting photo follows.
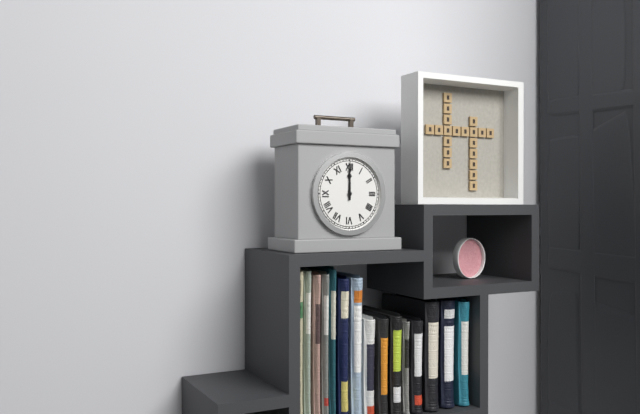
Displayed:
h=12 m=0
